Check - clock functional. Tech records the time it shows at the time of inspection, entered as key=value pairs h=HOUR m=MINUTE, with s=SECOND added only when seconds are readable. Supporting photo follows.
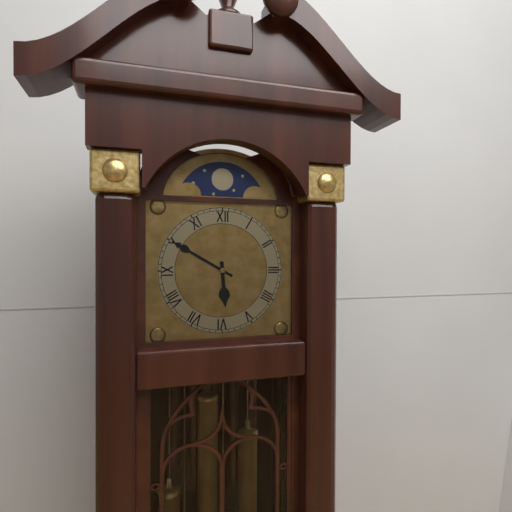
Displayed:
h=5 m=50
